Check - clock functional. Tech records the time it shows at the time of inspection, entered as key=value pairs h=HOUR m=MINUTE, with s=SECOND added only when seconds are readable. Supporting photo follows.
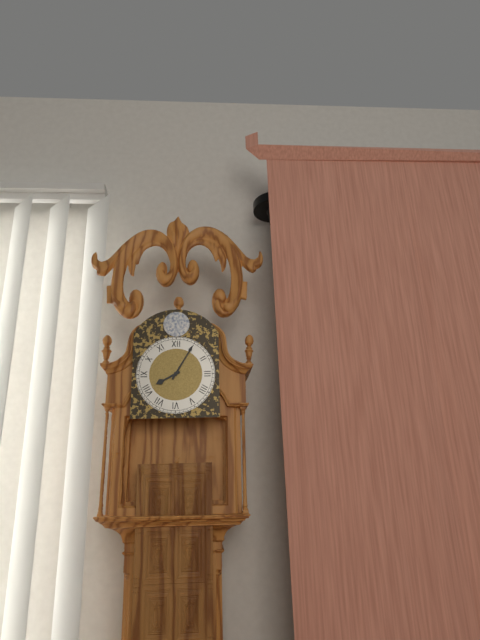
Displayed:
h=8 m=5
